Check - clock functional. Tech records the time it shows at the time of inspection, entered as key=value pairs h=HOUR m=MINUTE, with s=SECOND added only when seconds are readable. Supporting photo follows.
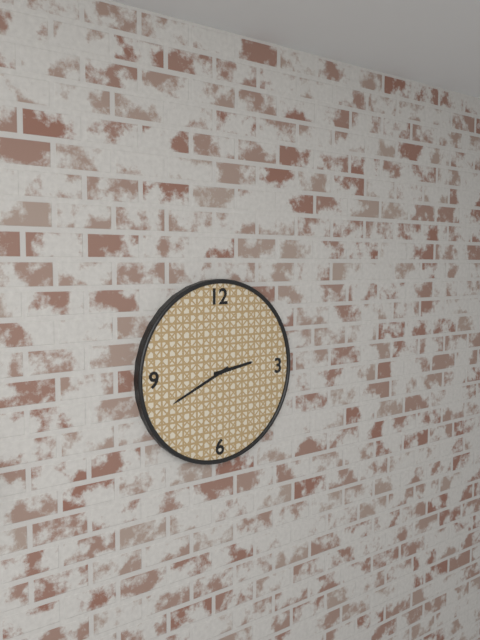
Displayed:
h=2 m=41
